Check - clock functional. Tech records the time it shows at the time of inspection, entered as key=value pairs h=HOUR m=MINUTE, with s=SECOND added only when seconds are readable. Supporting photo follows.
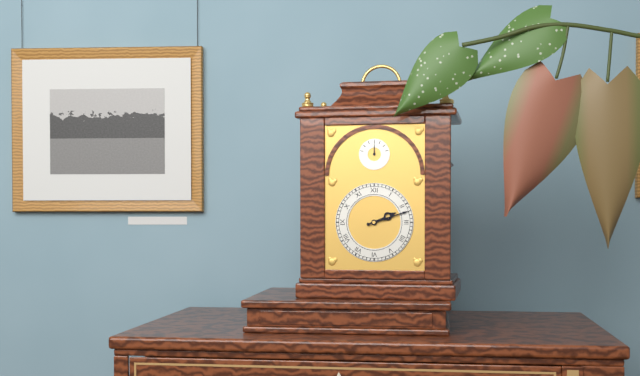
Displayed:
h=2 m=12
